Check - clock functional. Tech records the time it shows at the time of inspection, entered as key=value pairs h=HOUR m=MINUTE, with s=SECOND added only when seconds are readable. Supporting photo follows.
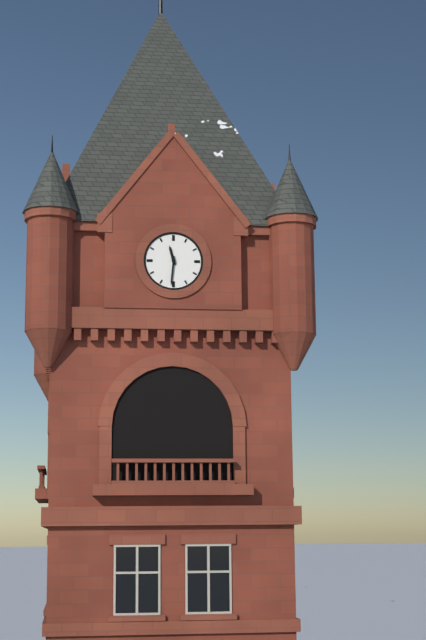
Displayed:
h=11 m=31
